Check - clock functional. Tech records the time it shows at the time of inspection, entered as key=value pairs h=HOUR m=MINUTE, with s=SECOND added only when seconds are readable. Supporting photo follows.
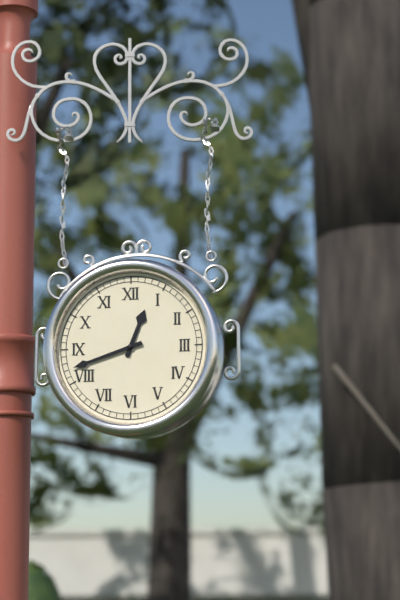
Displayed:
h=12 m=42
